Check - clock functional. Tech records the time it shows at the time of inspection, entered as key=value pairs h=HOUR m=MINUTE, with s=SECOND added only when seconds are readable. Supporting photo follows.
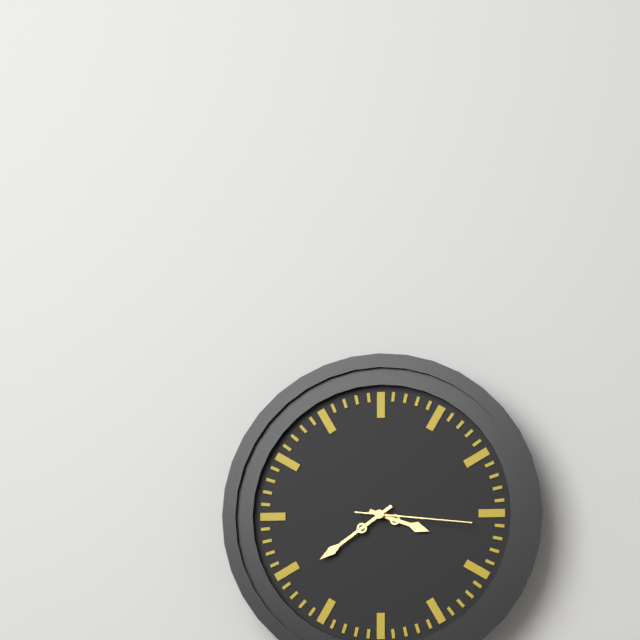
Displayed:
h=3 m=39 s=16
